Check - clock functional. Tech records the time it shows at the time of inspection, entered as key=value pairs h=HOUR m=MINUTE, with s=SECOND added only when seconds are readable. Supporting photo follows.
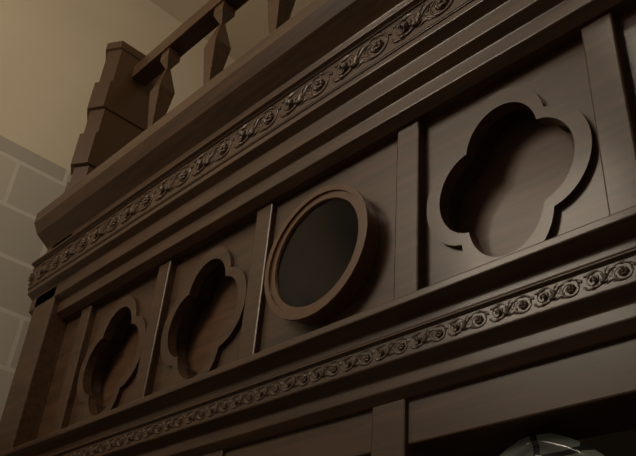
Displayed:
h=2 m=7
